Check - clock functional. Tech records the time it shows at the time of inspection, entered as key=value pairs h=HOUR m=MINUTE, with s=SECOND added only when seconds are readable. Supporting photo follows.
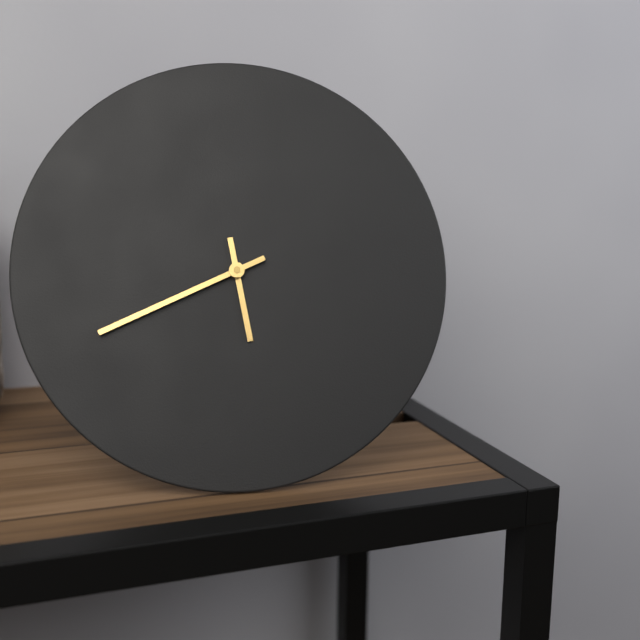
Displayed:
h=5 m=41
